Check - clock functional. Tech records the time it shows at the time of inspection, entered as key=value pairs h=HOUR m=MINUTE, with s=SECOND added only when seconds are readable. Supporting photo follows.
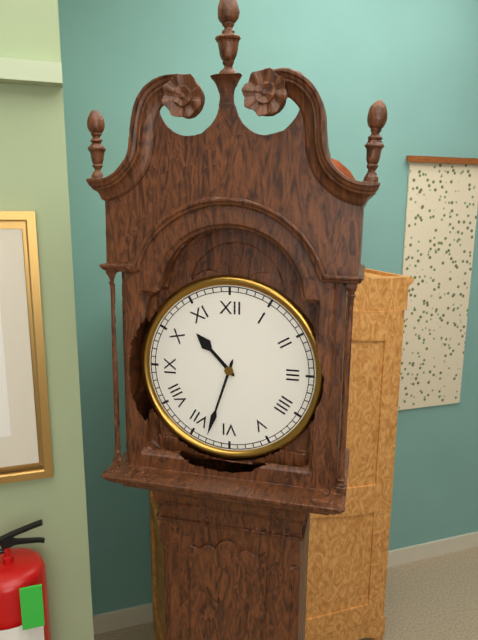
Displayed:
h=10 m=33
